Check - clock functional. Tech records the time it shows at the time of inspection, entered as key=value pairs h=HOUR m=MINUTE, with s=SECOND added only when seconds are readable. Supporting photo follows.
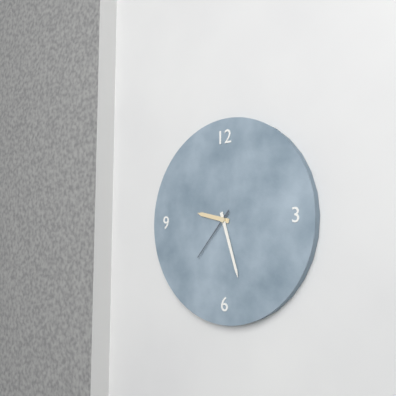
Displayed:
h=9 m=27 s=37
